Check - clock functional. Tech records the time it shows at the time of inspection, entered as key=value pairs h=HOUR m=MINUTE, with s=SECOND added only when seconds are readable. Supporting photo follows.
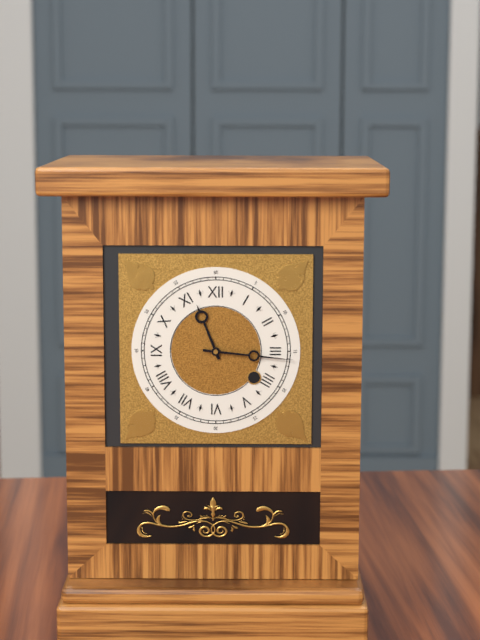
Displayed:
h=11 m=16
